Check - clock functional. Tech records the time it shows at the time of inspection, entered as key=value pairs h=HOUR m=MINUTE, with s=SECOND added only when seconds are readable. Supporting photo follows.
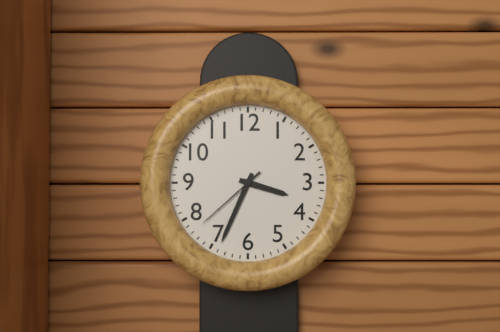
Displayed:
h=3 m=34 s=38
